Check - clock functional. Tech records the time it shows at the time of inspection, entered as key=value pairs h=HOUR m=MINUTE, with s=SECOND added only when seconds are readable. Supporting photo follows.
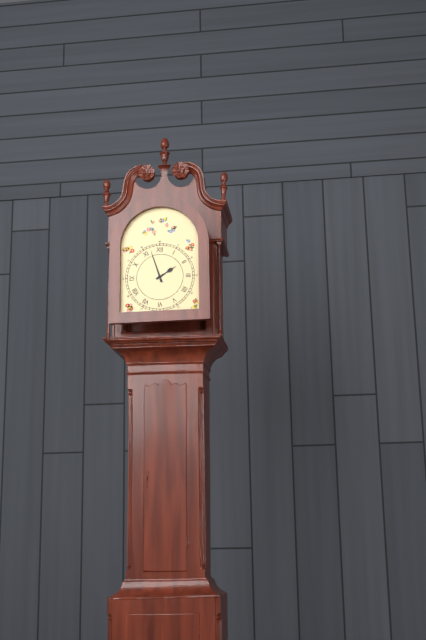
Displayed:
h=1 m=57
